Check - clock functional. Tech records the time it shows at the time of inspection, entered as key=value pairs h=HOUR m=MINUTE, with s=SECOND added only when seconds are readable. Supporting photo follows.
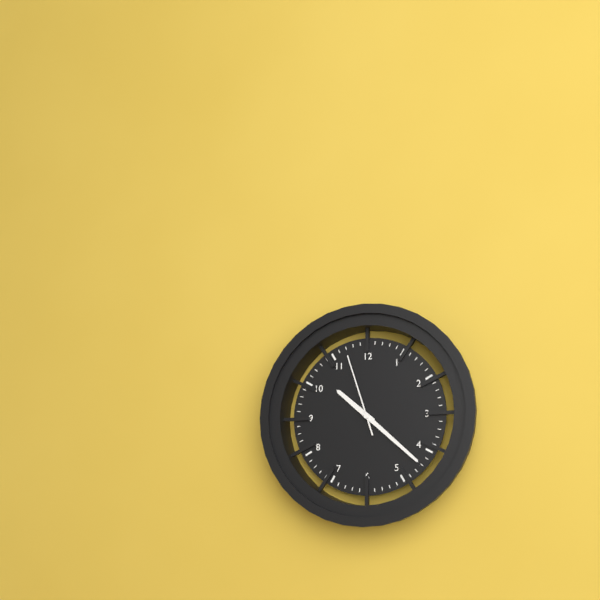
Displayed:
h=10 m=22 s=57
